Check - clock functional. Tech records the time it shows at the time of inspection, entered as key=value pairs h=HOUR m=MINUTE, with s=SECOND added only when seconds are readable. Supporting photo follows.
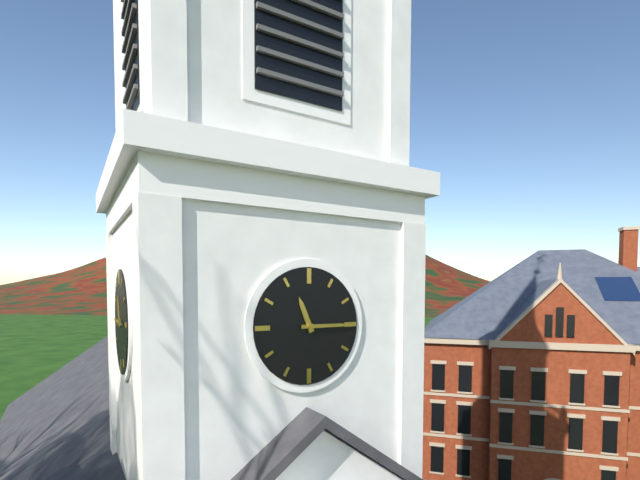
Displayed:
h=11 m=15
